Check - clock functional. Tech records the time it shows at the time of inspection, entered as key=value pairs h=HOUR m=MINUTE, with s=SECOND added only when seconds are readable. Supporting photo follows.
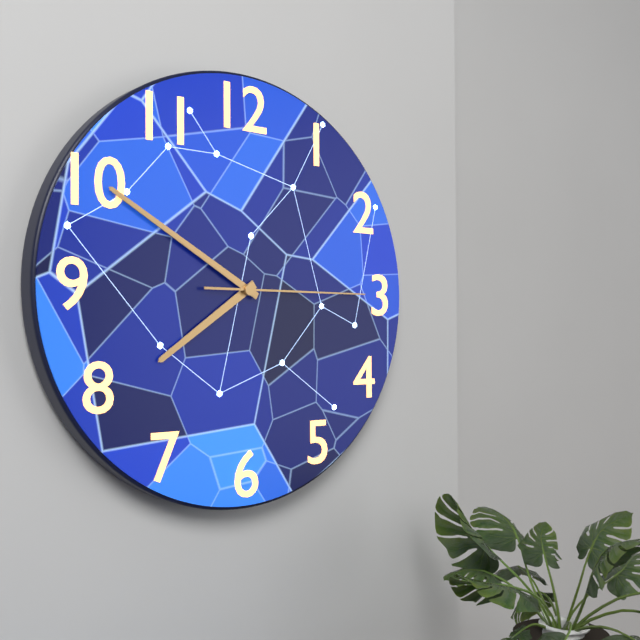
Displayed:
h=7 m=50 s=15
